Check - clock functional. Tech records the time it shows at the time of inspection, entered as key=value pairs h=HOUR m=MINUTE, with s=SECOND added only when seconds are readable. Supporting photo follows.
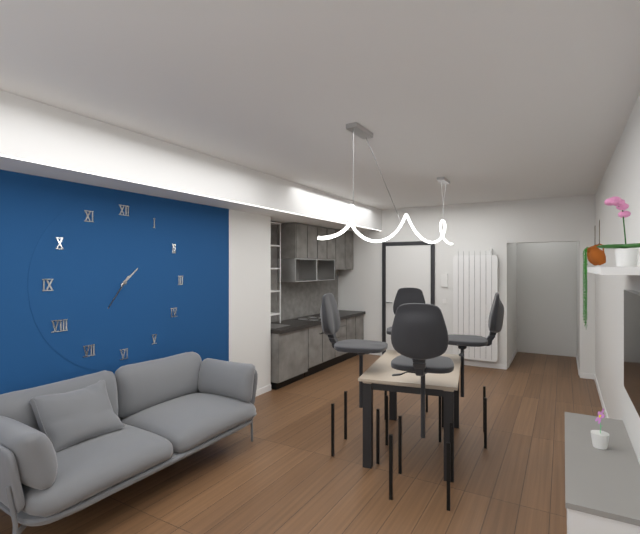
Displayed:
h=1 m=36
